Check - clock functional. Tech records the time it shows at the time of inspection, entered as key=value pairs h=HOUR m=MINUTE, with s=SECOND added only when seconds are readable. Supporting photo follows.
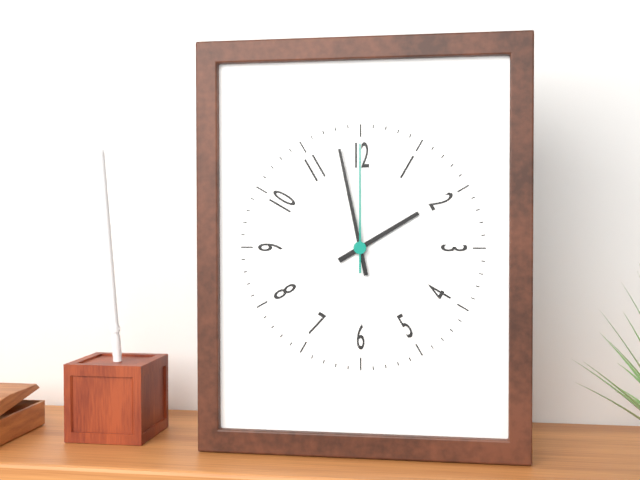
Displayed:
h=1 m=58 s=0
